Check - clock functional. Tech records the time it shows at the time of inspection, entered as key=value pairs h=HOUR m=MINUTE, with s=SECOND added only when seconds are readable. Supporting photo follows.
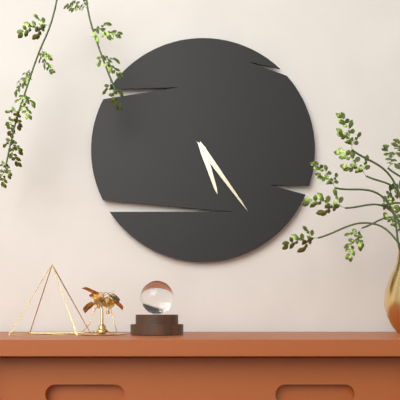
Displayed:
h=5 m=24
